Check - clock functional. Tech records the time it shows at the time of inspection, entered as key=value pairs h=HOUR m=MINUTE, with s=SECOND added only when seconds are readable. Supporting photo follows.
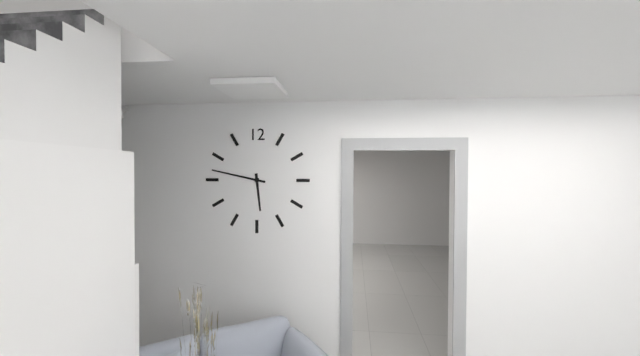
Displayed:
h=5 m=47
